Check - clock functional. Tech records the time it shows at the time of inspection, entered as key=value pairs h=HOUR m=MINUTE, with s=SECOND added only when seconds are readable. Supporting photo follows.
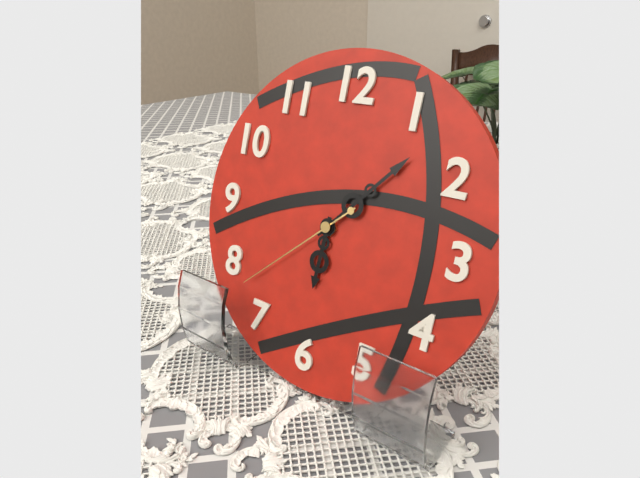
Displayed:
h=6 m=7 s=38
